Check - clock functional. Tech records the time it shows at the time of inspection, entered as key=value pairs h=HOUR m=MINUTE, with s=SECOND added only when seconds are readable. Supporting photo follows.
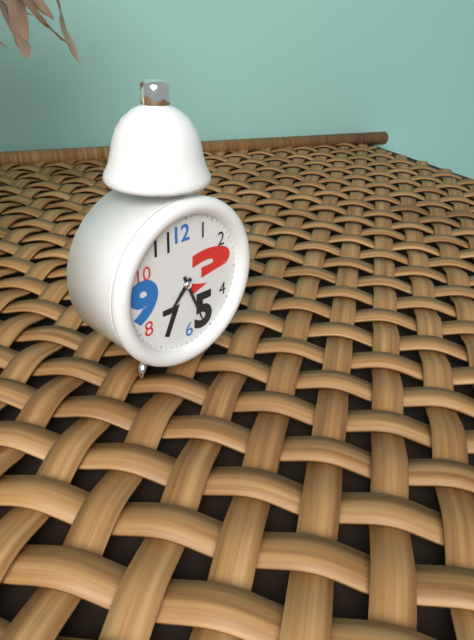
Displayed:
h=7 m=26
